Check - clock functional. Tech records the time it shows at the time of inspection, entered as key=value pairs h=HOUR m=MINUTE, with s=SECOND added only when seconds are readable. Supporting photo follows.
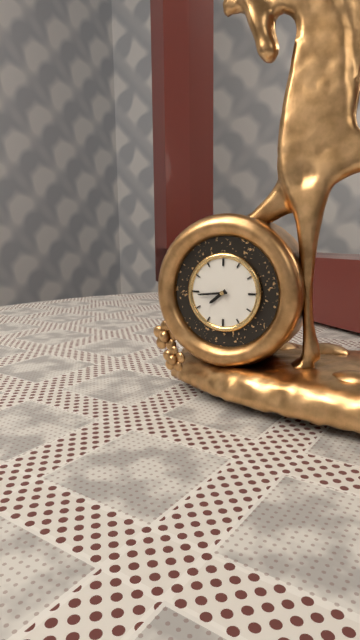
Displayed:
h=7 m=44
